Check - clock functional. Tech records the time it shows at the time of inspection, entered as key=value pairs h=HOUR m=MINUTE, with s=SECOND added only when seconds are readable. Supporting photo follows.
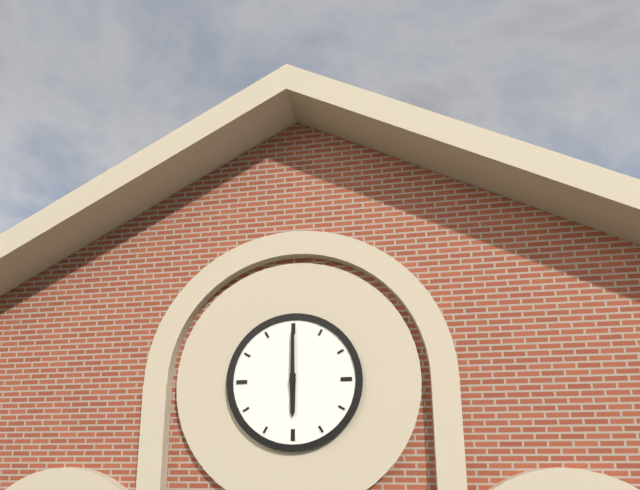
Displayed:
h=6 m=0
